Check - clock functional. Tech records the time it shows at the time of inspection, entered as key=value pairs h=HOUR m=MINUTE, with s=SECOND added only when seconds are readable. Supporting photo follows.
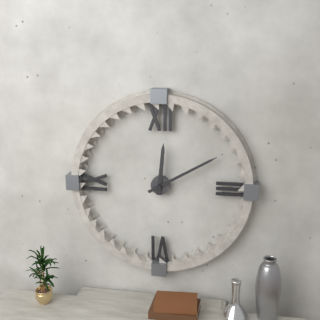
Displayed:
h=12 m=10
